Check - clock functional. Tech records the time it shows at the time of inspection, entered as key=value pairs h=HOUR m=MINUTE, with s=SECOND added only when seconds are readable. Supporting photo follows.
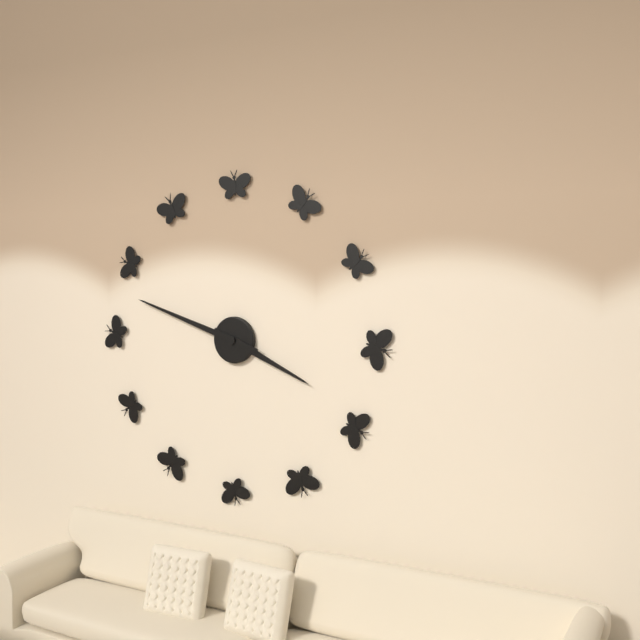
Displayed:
h=3 m=48
